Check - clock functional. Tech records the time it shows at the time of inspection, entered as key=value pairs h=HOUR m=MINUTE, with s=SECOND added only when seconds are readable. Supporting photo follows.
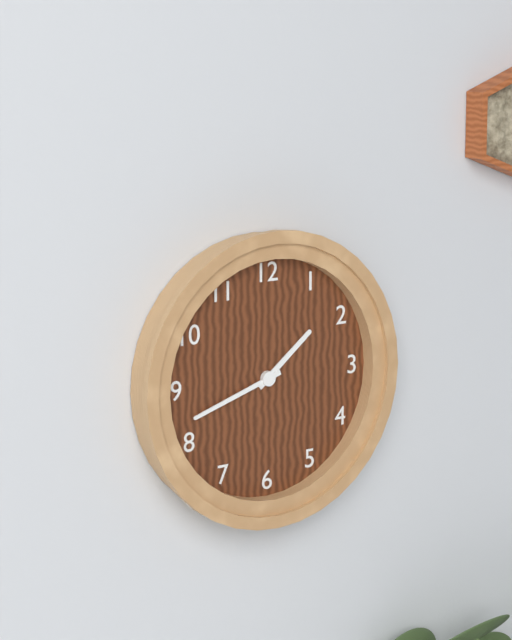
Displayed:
h=1 m=42
